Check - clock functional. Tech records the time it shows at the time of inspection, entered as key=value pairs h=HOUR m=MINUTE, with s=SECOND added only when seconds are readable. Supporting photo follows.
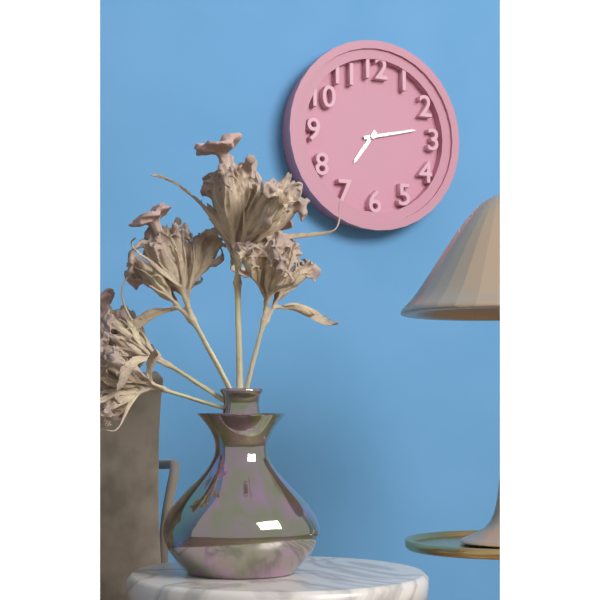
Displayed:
h=7 m=13
